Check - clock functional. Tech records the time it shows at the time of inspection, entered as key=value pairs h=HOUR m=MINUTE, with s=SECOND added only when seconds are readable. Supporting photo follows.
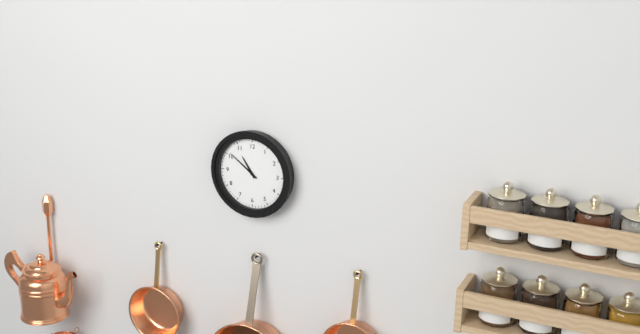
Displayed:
h=10 m=51
